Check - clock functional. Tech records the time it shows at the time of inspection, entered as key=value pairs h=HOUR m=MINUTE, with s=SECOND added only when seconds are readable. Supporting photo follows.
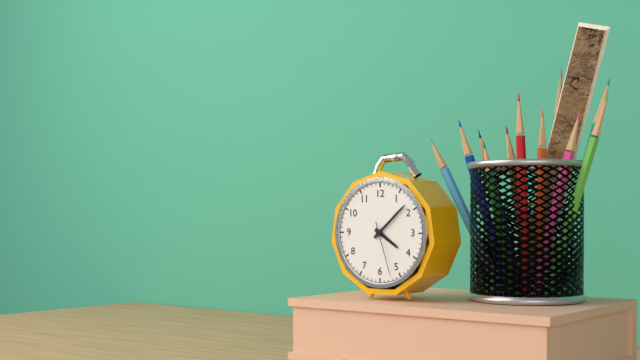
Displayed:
h=4 m=8 s=27
